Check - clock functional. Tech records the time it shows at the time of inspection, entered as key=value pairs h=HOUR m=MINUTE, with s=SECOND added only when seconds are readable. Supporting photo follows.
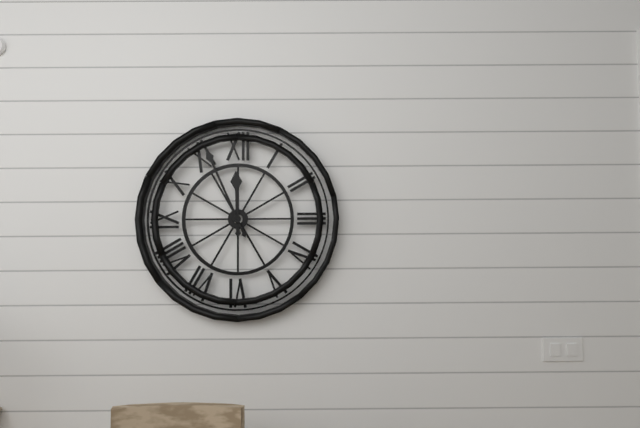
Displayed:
h=11 m=56
